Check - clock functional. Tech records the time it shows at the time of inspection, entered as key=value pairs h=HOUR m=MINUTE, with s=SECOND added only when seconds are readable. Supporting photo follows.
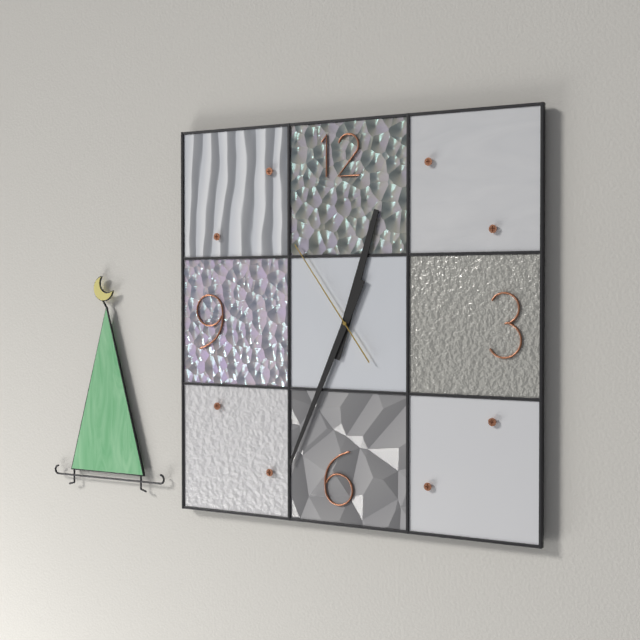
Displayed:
h=12 m=34 s=54
